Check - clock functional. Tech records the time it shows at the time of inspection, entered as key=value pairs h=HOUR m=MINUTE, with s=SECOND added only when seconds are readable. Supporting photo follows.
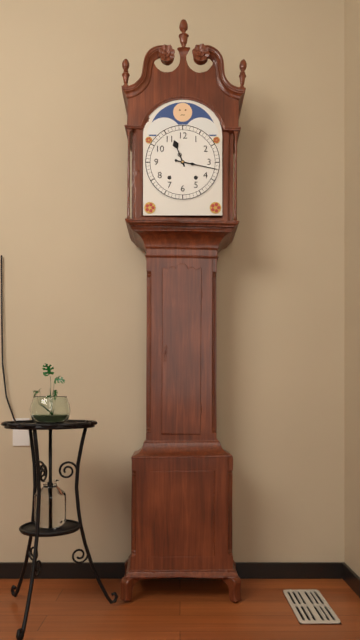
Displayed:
h=11 m=17
